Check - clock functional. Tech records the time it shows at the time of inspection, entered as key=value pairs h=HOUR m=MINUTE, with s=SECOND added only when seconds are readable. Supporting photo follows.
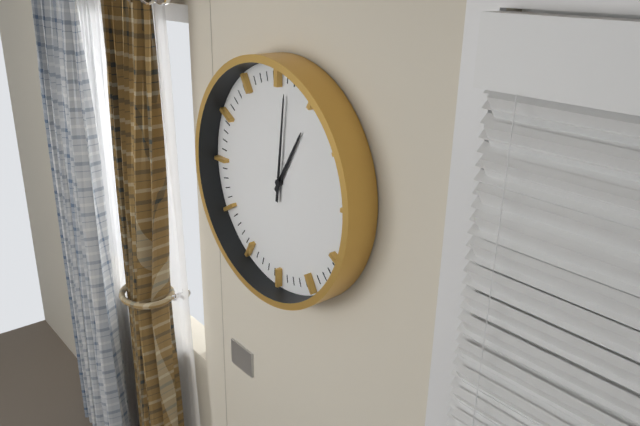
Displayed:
h=1 m=1
